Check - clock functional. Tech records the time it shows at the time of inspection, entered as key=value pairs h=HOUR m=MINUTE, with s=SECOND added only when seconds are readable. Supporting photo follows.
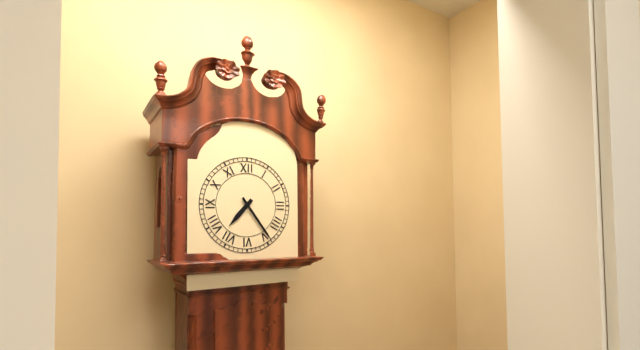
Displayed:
h=7 m=24
